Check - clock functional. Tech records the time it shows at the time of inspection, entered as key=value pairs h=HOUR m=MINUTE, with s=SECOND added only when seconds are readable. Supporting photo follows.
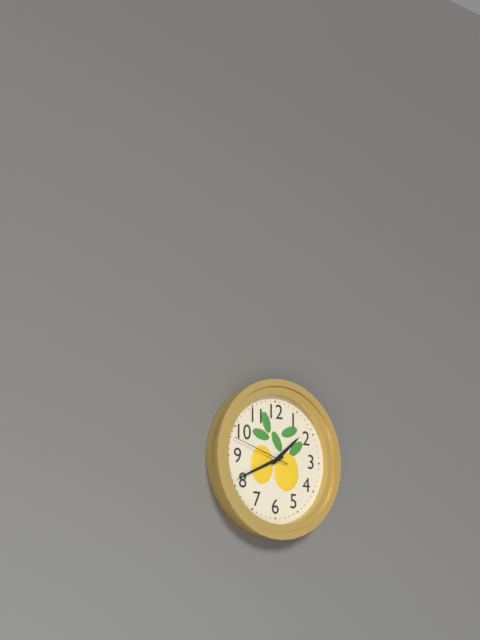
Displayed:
h=1 m=41 s=48
